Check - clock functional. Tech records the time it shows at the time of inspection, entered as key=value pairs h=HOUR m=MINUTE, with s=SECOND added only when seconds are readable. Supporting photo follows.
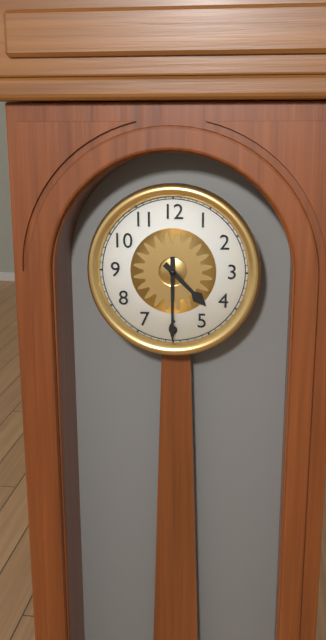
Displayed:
h=4 m=30
